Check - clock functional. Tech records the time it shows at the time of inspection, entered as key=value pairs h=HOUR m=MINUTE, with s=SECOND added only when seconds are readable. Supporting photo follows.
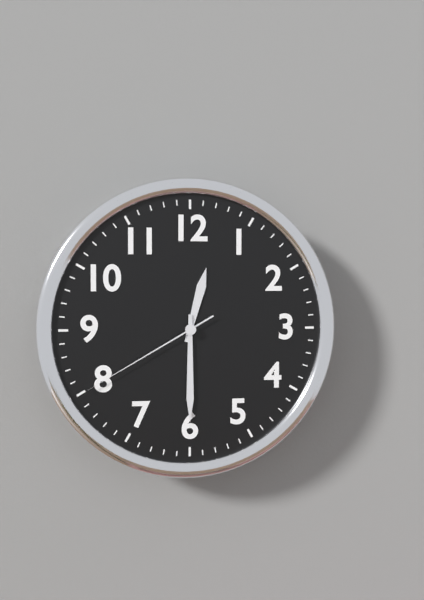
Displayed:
h=12 m=30 s=40
